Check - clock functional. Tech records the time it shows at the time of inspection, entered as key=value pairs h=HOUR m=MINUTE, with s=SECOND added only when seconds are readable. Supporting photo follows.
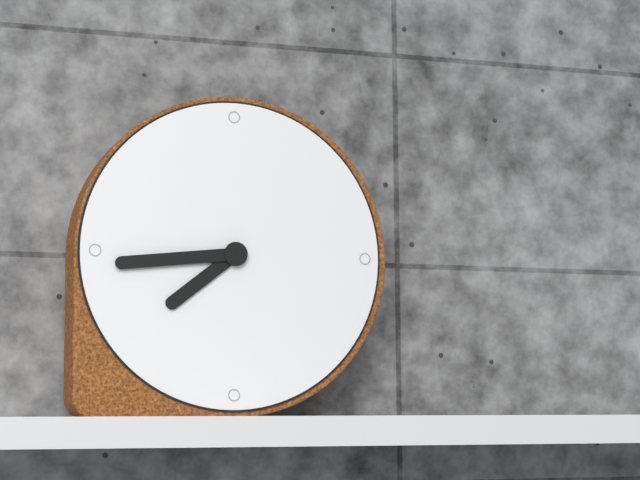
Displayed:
h=7 m=44
